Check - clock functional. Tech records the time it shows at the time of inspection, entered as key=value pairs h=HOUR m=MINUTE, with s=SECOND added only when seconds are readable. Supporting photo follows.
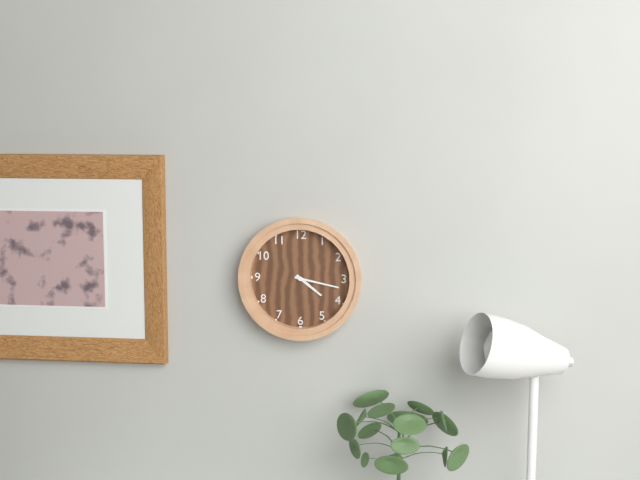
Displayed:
h=4 m=17
